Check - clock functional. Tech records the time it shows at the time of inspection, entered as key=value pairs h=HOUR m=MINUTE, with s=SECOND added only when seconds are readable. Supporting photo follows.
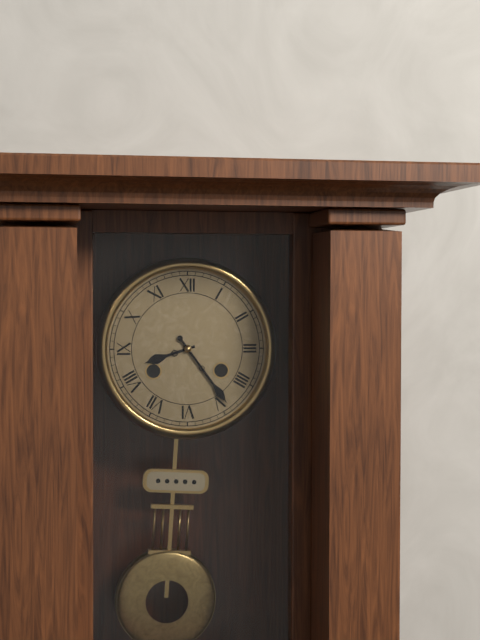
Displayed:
h=8 m=24
